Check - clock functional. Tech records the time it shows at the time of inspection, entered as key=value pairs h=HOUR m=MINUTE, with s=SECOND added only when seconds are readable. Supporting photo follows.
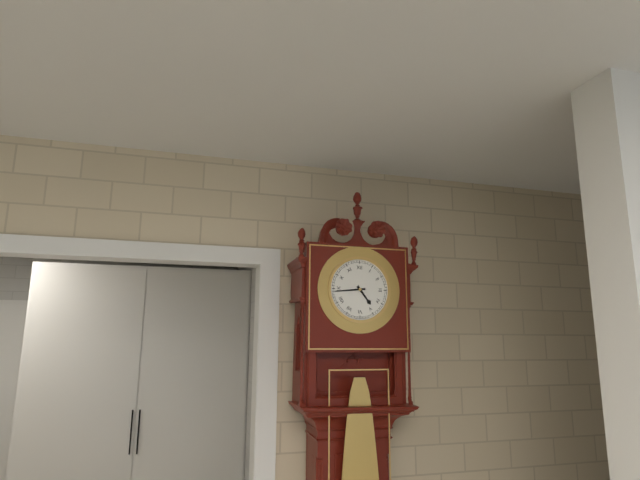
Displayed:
h=4 m=44
